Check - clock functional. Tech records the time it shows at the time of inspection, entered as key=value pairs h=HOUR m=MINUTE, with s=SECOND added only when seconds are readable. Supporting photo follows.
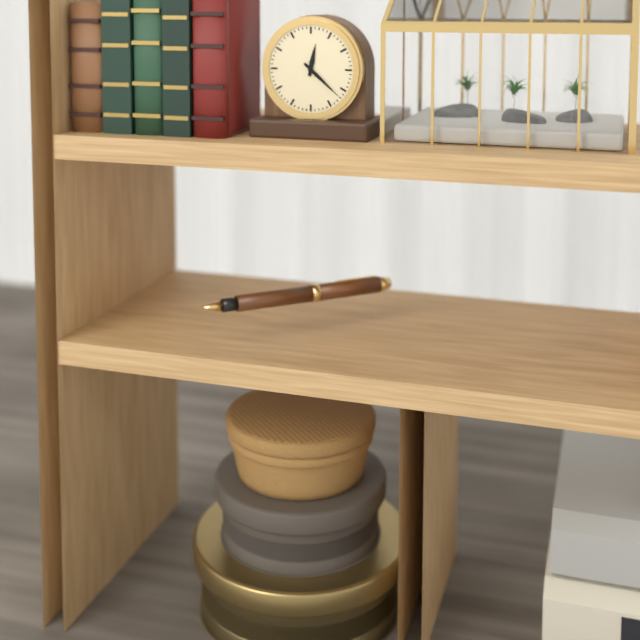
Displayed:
h=12 m=22
